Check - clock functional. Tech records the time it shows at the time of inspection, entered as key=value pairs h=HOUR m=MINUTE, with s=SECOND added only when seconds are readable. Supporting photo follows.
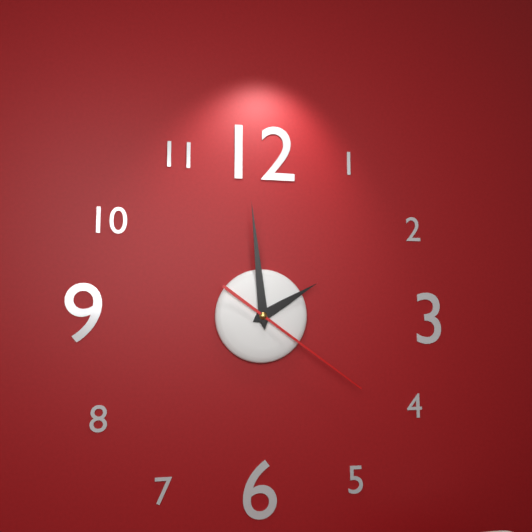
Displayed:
h=1 m=59 s=21
